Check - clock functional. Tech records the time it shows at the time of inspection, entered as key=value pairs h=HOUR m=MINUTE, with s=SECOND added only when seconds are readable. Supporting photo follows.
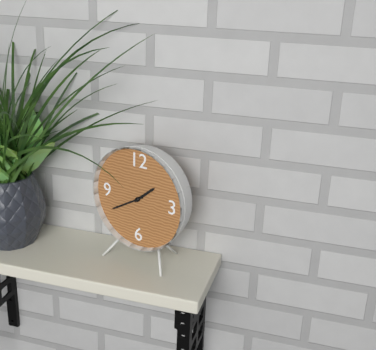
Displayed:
h=1 m=40
